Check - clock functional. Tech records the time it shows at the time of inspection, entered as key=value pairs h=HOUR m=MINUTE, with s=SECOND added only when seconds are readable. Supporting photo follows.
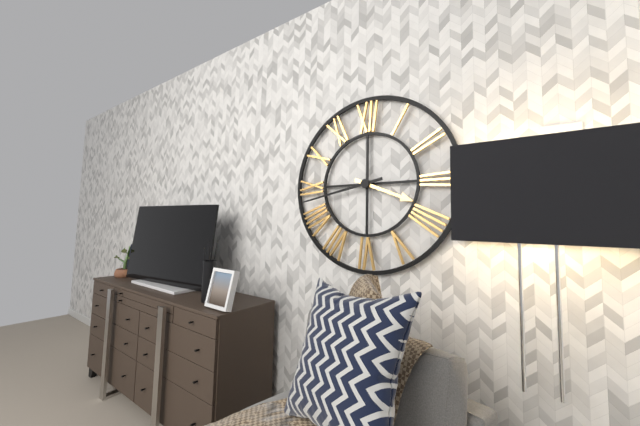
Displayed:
h=3 m=43
